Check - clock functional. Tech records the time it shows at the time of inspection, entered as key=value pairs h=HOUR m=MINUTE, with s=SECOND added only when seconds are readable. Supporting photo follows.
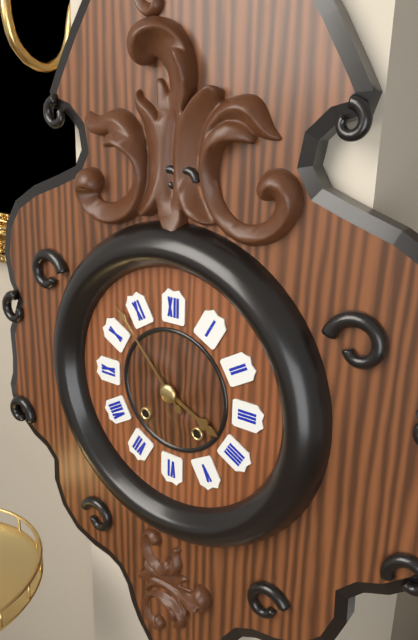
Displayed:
h=3 m=53
